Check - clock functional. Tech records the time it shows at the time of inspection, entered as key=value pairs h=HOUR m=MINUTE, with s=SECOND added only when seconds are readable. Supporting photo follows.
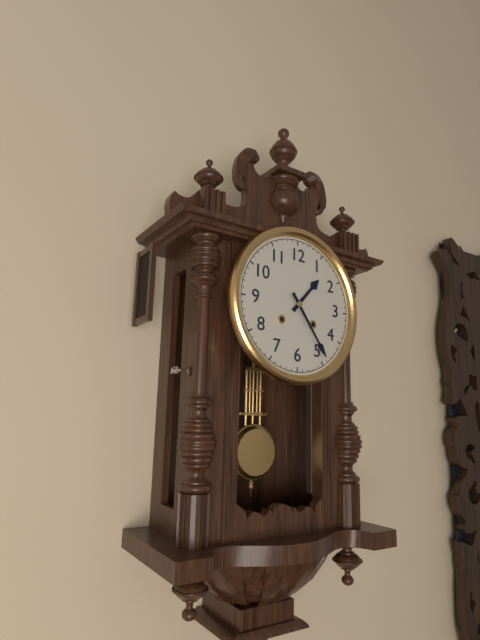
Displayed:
h=1 m=24
